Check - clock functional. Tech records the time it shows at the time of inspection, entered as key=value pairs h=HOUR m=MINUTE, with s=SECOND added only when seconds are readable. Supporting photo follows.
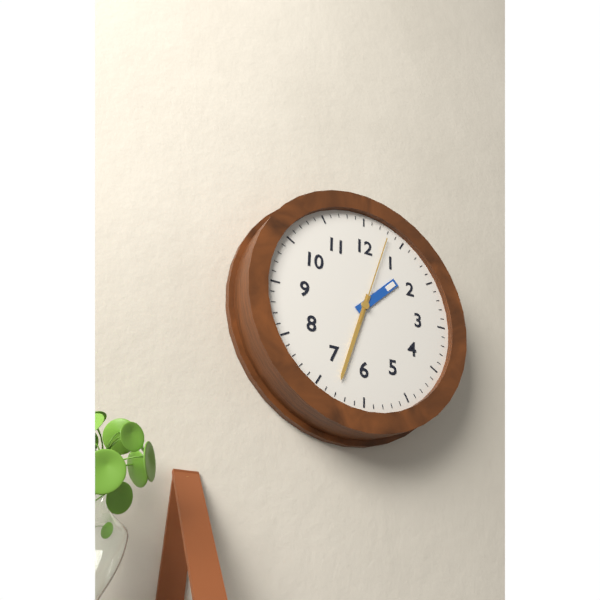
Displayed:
h=1 m=33 s=3
